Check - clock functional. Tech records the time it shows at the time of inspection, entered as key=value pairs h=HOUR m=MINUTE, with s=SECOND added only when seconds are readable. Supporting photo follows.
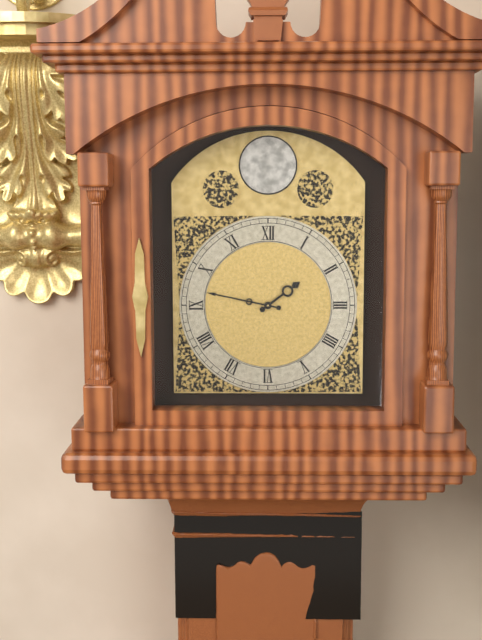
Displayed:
h=1 m=47
